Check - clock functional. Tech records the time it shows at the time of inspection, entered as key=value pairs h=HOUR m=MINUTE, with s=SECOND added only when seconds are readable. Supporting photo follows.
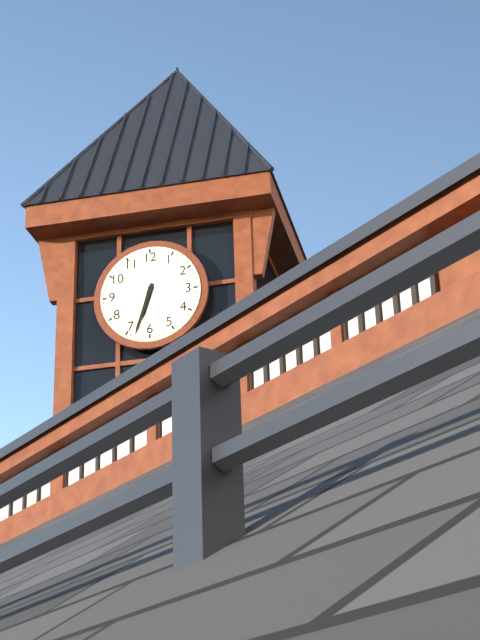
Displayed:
h=6 m=33
